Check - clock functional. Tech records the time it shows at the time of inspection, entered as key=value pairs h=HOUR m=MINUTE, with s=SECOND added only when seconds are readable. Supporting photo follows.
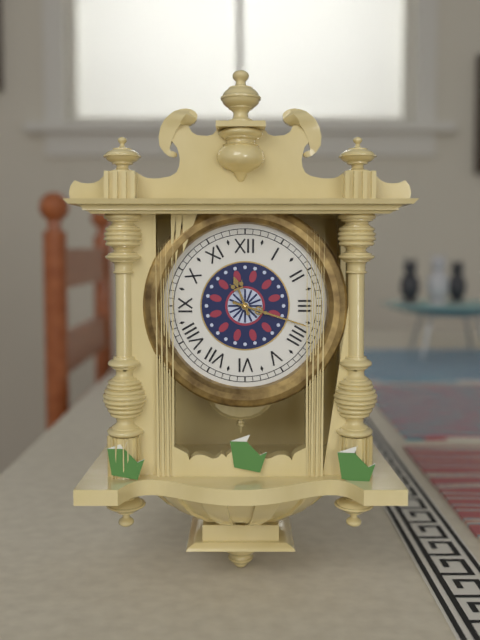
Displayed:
h=11 m=18
